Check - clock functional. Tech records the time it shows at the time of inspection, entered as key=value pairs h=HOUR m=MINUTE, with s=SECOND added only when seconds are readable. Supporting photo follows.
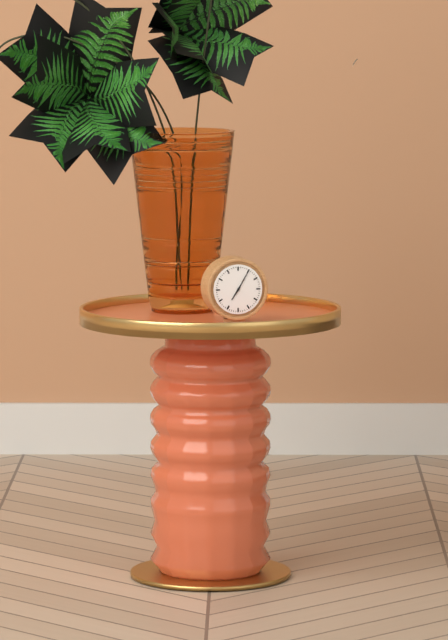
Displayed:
h=7 m=5
